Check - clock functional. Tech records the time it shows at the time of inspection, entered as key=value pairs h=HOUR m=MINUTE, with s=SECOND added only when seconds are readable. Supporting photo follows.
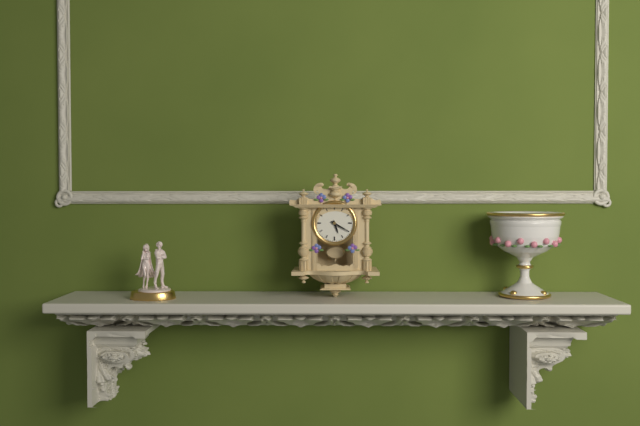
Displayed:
h=5 m=20
